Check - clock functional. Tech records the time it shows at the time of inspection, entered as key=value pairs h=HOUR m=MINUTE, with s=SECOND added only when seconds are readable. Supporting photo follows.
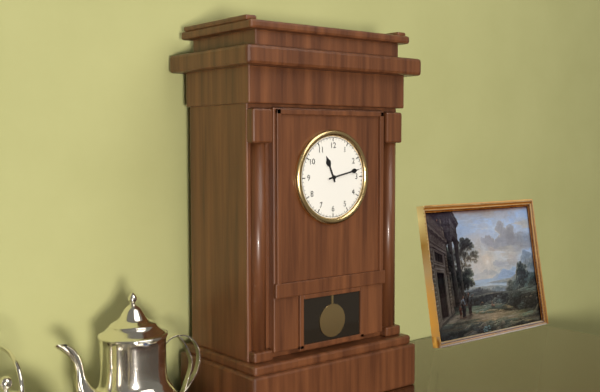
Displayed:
h=11 m=13
